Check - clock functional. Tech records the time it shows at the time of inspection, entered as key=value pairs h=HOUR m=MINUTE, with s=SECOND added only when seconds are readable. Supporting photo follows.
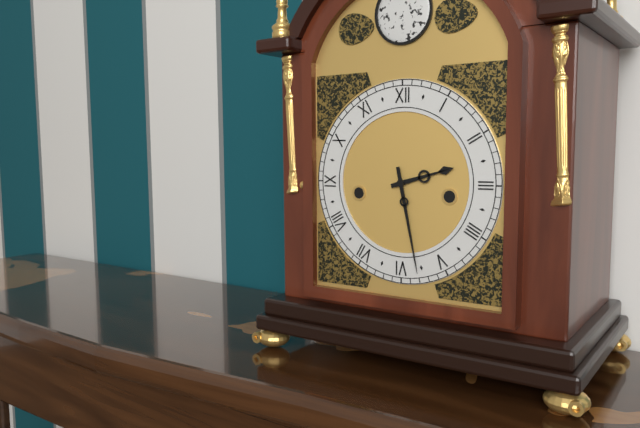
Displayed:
h=2 m=28
